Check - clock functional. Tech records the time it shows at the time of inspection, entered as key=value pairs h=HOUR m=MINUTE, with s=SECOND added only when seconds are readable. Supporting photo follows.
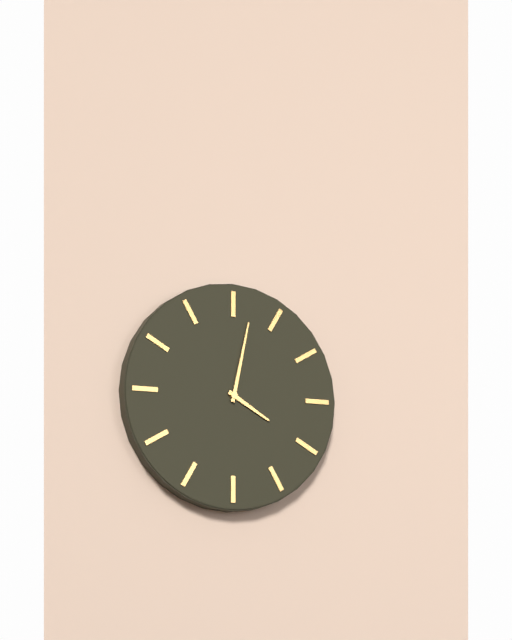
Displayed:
h=4 m=2
